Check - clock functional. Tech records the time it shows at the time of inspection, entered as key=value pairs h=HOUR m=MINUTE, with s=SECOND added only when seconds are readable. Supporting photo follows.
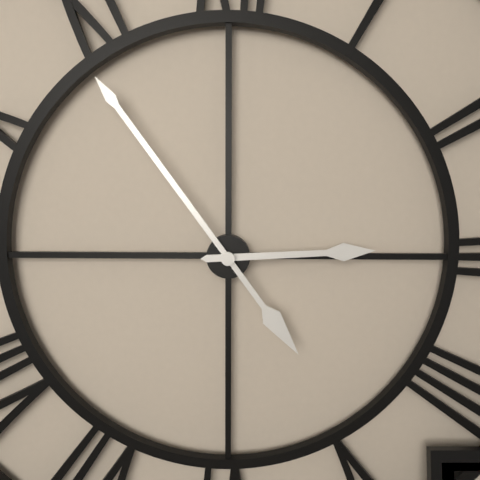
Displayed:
h=2 m=54
